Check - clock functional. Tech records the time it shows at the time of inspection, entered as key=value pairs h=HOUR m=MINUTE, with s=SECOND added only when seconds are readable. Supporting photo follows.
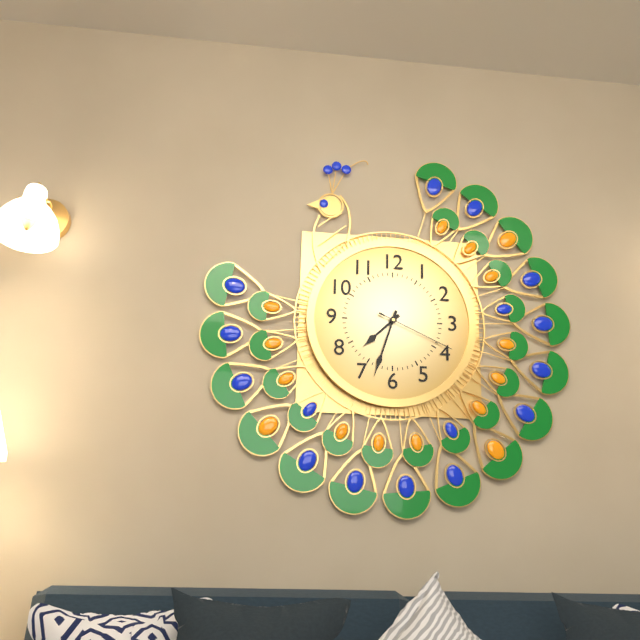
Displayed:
h=7 m=33 s=19
